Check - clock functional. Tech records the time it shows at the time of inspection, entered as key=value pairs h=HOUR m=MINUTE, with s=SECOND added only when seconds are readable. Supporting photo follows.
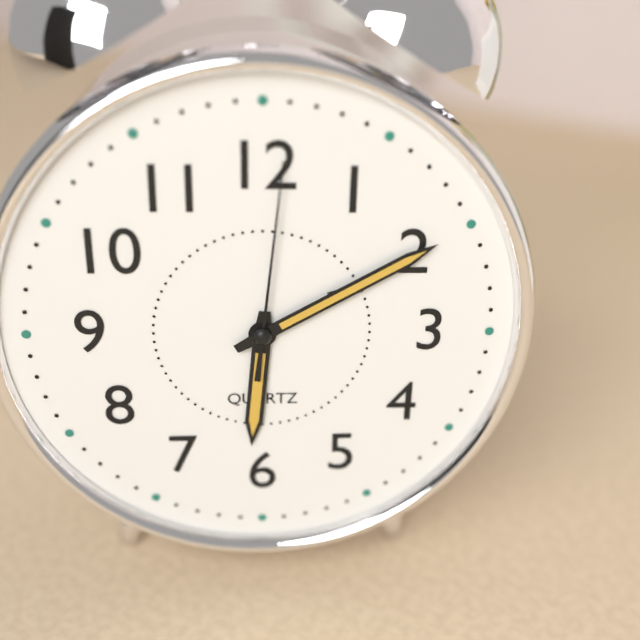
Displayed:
h=6 m=10 s=1
